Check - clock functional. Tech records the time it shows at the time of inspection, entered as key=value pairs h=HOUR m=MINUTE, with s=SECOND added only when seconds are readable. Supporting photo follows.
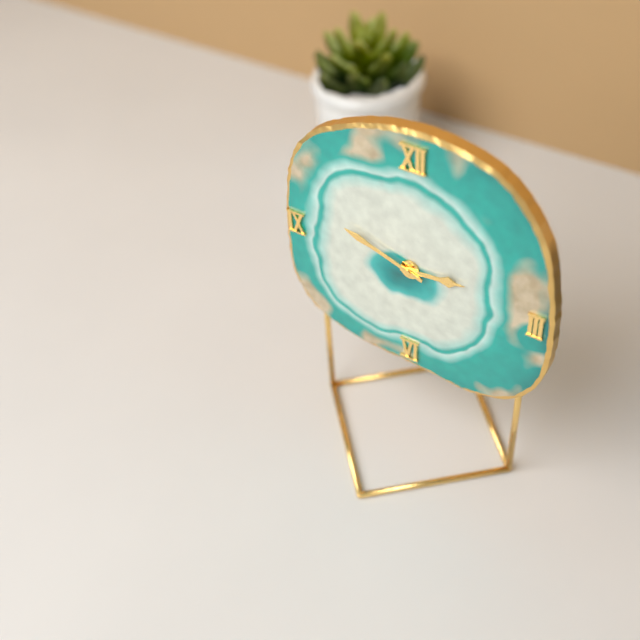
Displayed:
h=2 m=48
